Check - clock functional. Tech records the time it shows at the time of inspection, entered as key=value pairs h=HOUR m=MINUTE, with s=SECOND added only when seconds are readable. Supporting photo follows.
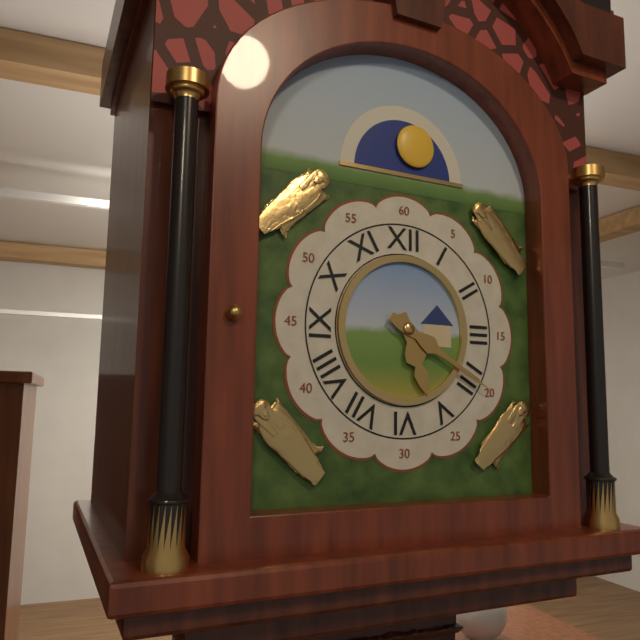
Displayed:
h=5 m=20
